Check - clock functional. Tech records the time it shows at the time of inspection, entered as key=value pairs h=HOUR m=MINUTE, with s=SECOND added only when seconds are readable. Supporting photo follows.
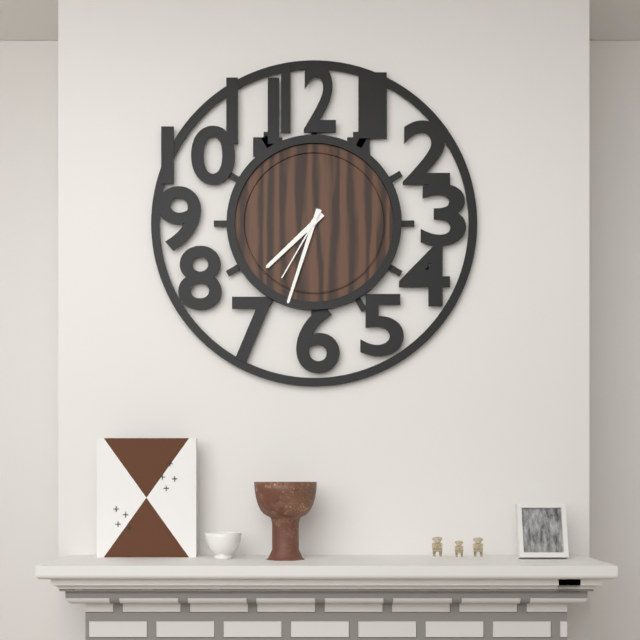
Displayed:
h=7 m=33 s=35
